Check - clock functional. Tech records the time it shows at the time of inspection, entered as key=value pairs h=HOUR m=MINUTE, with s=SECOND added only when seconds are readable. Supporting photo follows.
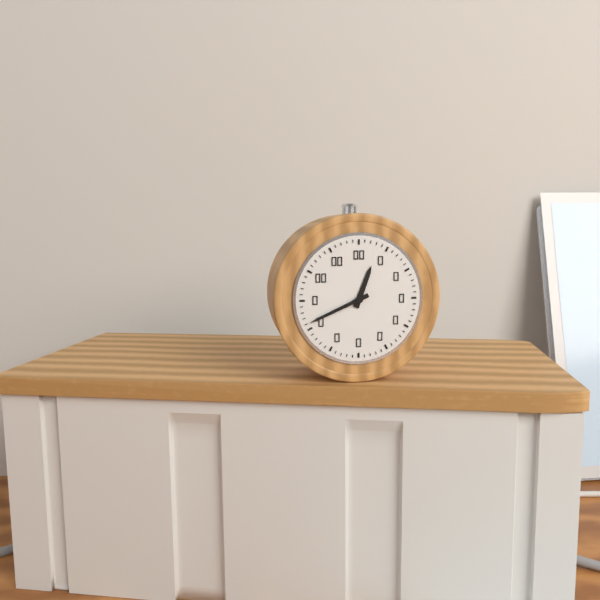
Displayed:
h=12 m=41
